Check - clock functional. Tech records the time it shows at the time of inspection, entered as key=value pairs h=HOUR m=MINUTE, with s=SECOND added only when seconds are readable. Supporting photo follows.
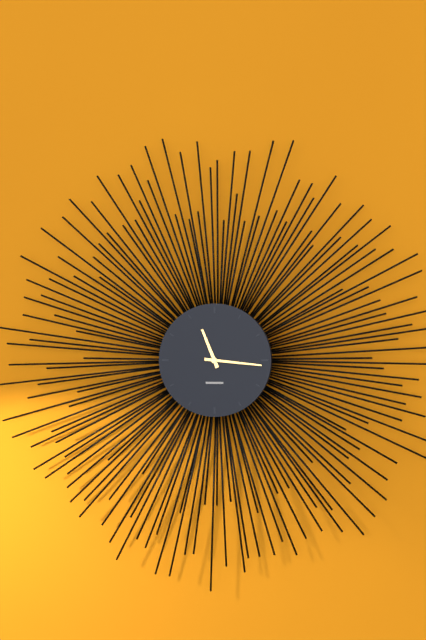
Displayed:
h=11 m=16
